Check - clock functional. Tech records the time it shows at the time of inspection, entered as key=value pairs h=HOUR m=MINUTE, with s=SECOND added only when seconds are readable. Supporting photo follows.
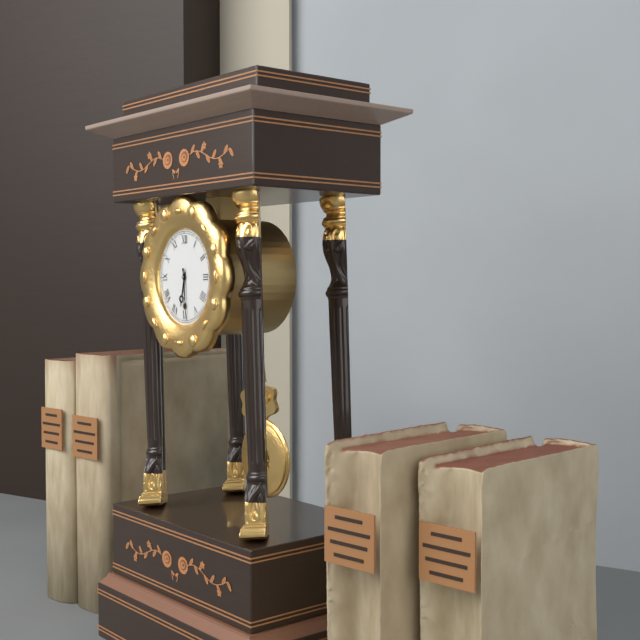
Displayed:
h=6 m=29
